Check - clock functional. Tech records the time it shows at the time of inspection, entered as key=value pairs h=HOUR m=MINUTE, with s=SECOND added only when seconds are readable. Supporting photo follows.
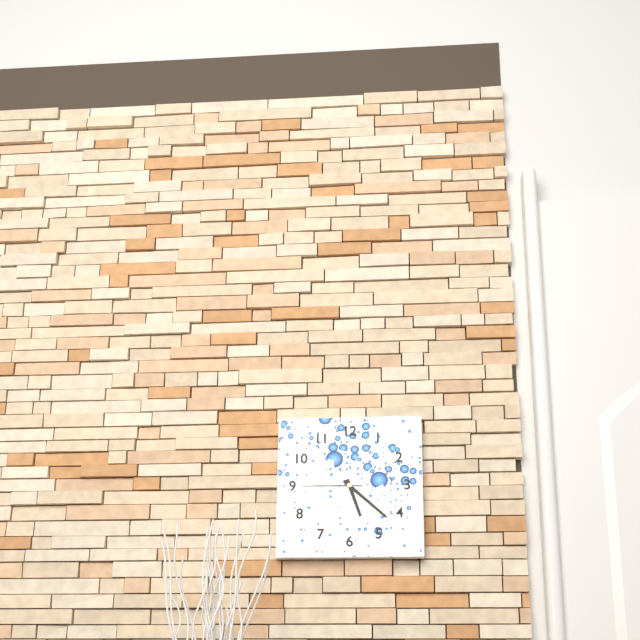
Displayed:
h=5 m=22 s=45
